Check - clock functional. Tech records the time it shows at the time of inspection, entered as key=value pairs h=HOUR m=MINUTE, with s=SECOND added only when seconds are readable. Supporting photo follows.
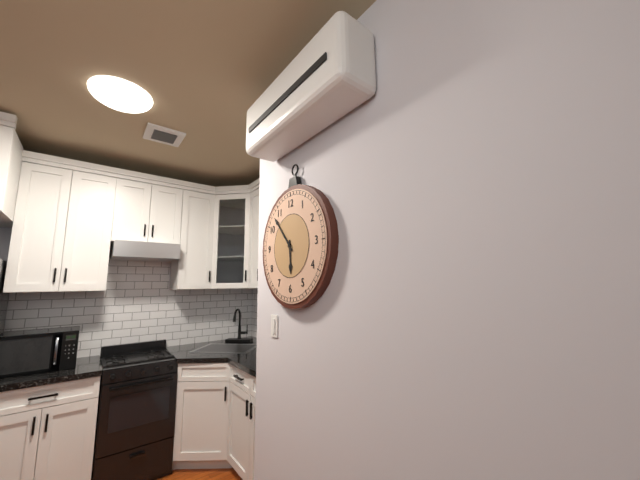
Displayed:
h=5 m=53
